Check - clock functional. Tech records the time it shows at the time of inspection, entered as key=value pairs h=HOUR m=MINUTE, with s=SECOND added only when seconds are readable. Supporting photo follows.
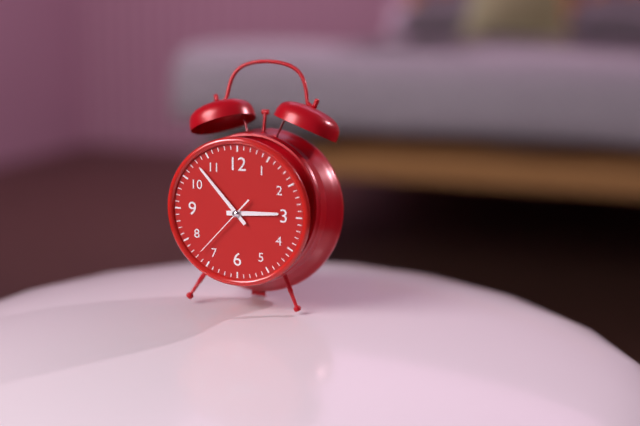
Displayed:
h=2 m=53 s=37
